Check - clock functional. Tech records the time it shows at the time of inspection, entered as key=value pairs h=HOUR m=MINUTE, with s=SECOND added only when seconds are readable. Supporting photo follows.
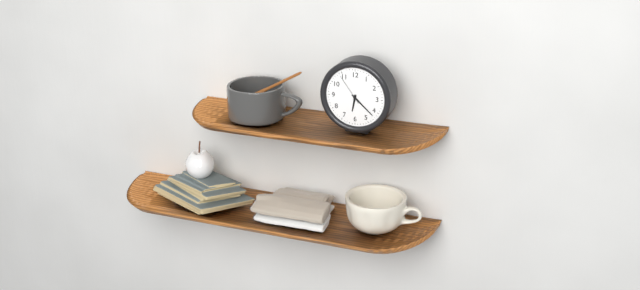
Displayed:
h=6 m=22
